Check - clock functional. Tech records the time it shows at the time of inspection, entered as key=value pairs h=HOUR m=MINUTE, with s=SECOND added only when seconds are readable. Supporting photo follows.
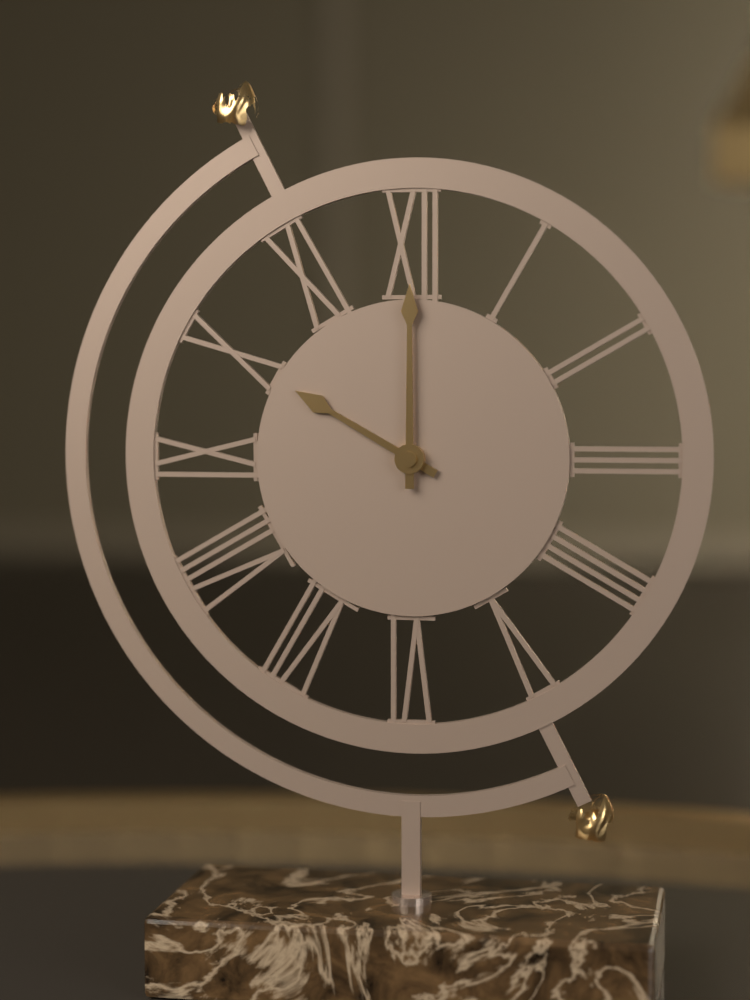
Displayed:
h=10 m=0
